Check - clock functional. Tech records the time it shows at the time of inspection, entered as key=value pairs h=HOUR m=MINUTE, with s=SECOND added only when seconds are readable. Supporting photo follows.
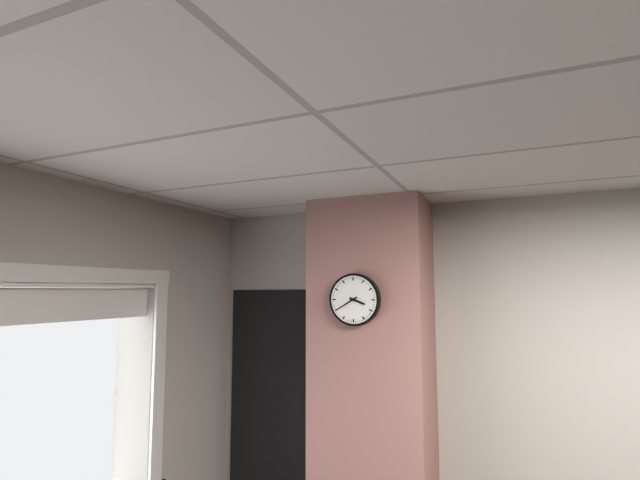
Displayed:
h=3 m=40
